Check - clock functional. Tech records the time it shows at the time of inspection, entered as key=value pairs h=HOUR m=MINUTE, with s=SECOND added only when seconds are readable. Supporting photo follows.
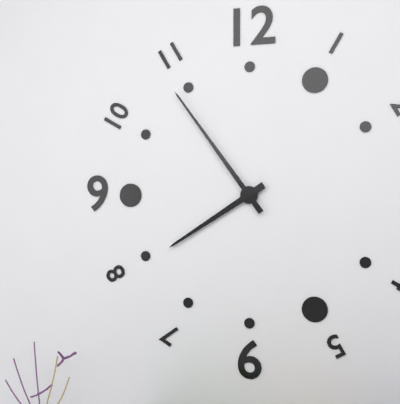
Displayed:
h=7 m=54
